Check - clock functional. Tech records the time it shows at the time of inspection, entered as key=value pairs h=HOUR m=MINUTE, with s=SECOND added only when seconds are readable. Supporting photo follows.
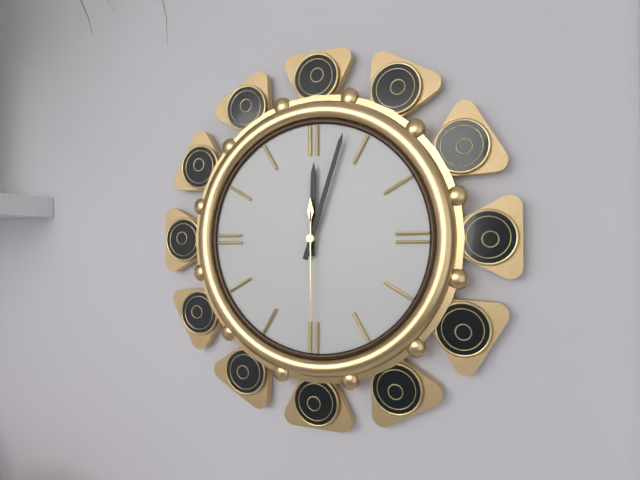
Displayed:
h=12 m=3 s=30
